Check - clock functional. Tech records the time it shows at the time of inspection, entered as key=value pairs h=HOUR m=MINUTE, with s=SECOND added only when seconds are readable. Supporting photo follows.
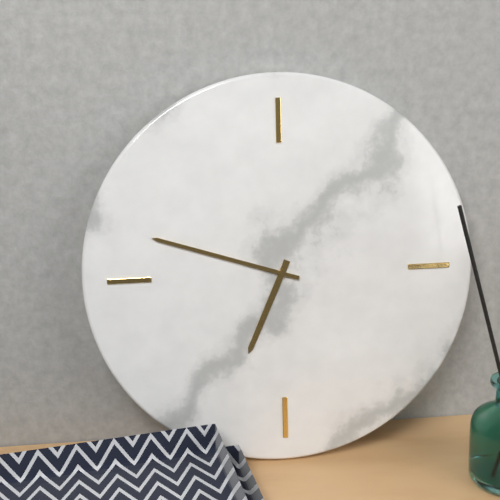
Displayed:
h=6 m=48
